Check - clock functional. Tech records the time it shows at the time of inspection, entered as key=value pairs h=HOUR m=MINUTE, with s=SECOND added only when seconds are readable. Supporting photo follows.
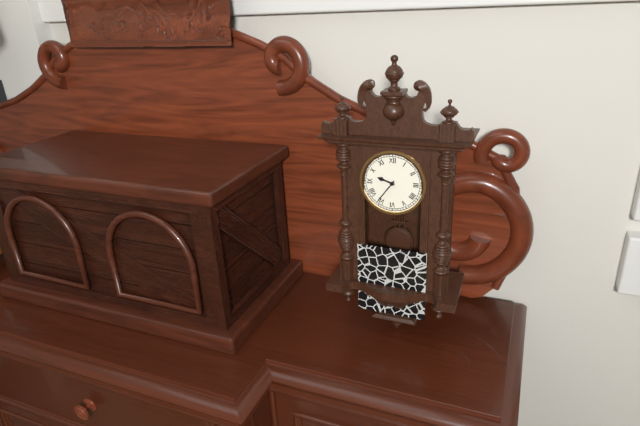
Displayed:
h=9 m=36
